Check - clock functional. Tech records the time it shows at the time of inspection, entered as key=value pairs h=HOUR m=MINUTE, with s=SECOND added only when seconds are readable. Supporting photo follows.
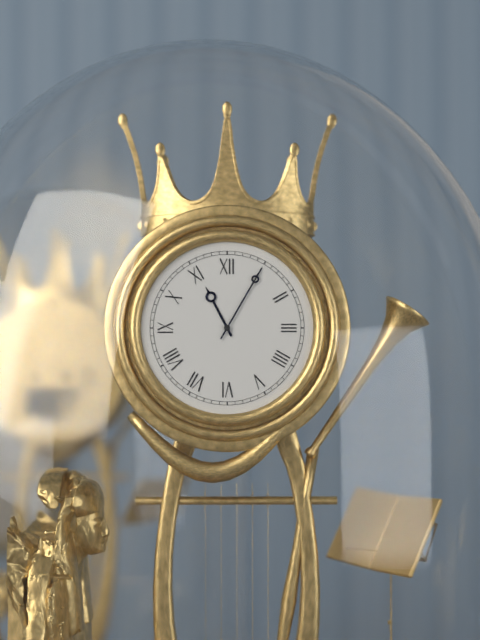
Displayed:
h=11 m=5
